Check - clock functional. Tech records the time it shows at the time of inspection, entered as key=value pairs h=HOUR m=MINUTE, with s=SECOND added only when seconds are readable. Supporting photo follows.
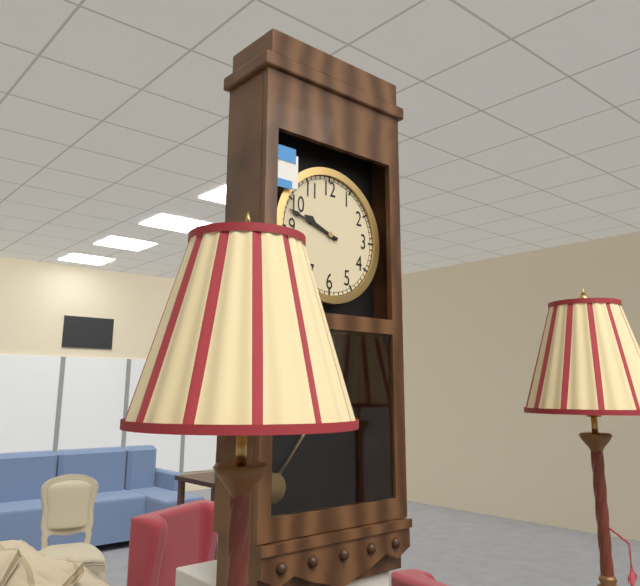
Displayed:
h=9 m=48
